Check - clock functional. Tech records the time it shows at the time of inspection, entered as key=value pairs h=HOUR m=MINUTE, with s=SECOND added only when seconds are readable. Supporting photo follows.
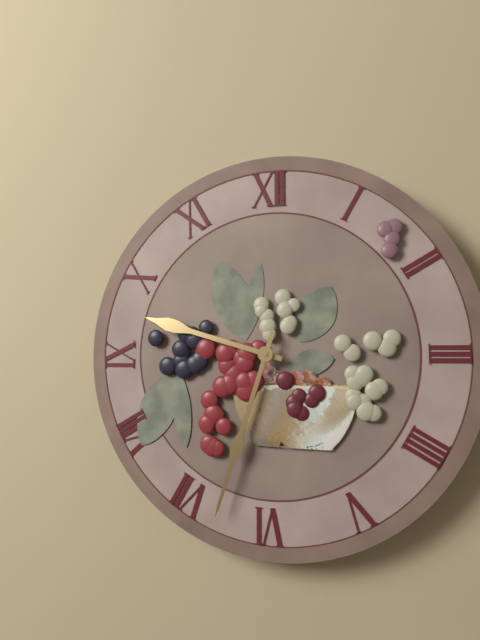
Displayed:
h=9 m=33
